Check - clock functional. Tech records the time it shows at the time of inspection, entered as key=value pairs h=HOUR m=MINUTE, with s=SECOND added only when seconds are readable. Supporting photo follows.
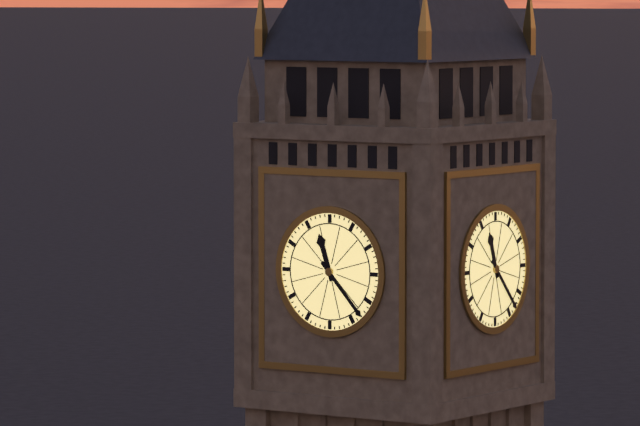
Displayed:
h=11 m=23
